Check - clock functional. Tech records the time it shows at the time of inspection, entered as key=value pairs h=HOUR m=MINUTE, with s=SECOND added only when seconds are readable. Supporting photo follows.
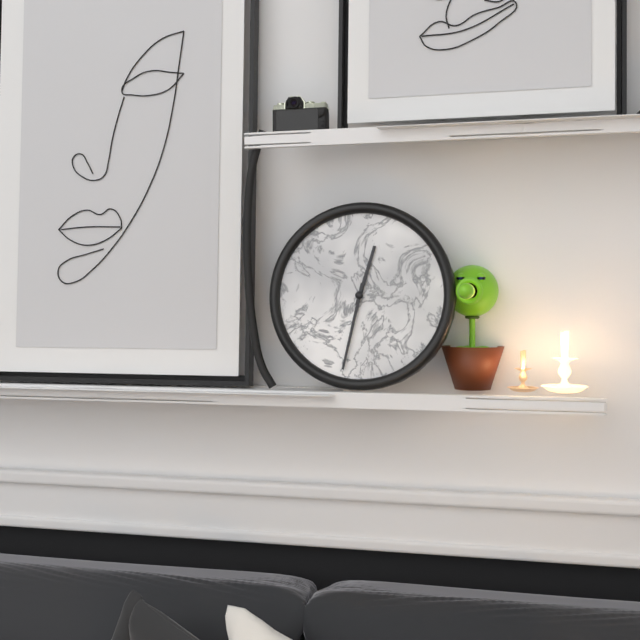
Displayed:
h=12 m=32
